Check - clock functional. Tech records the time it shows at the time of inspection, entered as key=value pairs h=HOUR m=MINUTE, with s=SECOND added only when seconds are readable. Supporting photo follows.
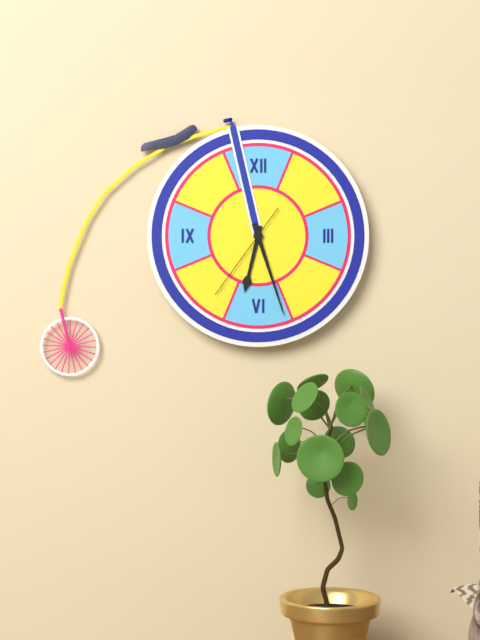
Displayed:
h=6 m=27 s=36
